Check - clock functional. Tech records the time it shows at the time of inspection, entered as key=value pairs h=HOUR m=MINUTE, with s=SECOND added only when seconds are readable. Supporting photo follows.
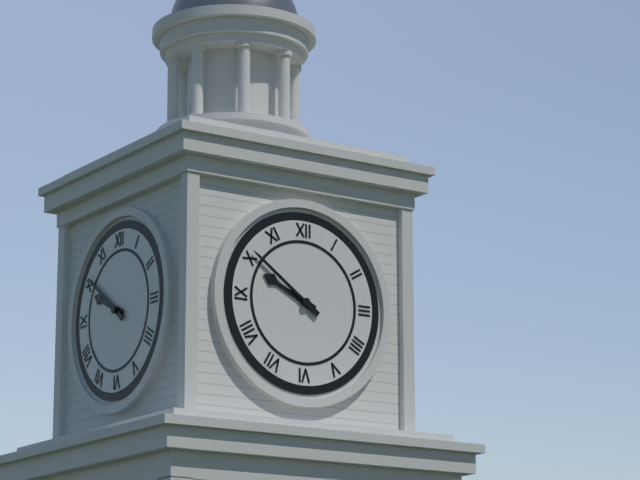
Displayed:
h=9 m=51
